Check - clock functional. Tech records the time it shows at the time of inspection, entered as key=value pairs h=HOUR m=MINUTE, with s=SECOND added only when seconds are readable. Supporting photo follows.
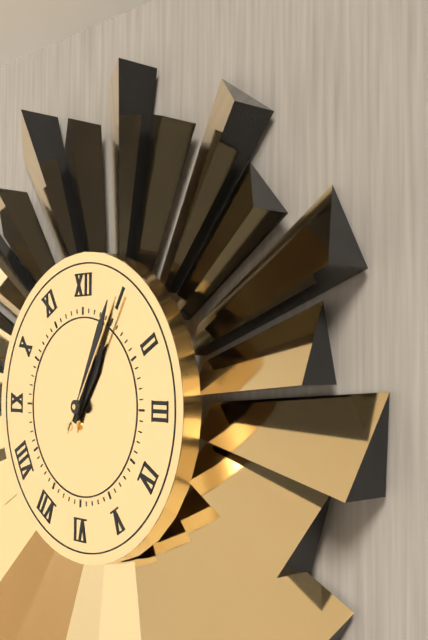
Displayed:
h=1 m=4 s=5
